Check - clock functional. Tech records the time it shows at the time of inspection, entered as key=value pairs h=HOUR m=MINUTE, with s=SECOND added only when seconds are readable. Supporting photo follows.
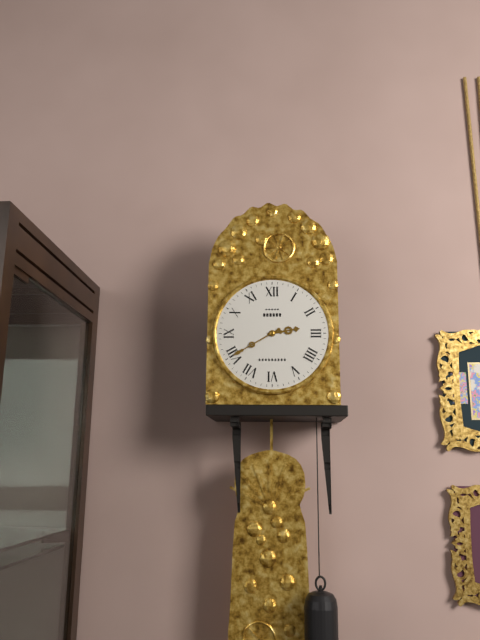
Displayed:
h=2 m=40
